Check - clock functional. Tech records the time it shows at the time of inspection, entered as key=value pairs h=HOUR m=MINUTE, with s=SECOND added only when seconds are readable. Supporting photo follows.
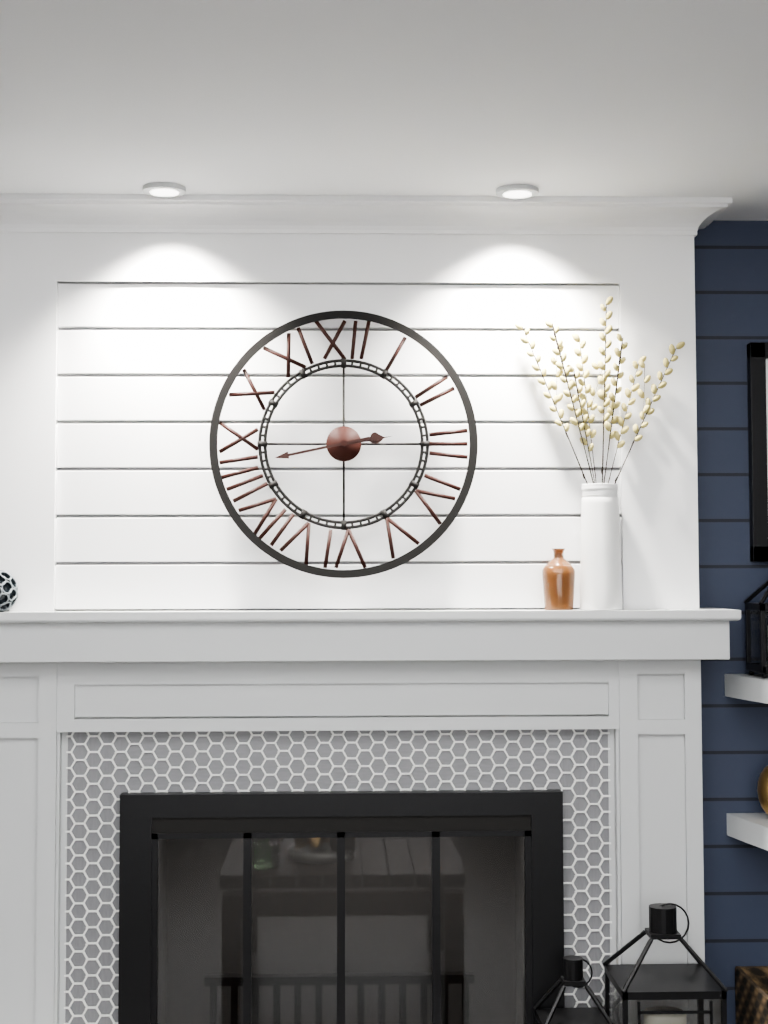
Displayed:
h=2 m=43
